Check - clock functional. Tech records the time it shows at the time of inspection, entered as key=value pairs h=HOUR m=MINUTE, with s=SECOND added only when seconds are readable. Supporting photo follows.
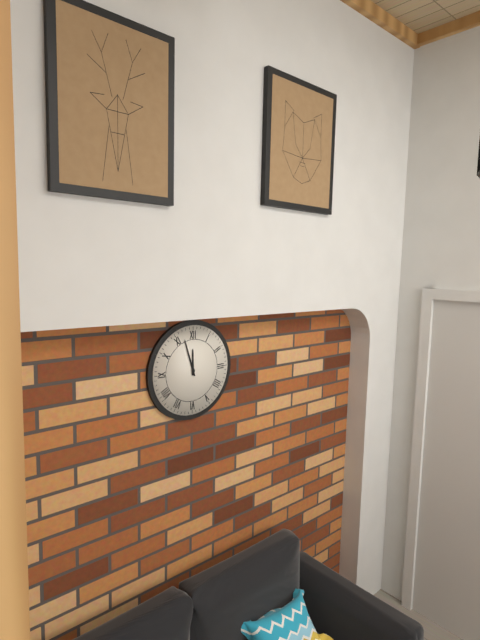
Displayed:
h=11 m=57
